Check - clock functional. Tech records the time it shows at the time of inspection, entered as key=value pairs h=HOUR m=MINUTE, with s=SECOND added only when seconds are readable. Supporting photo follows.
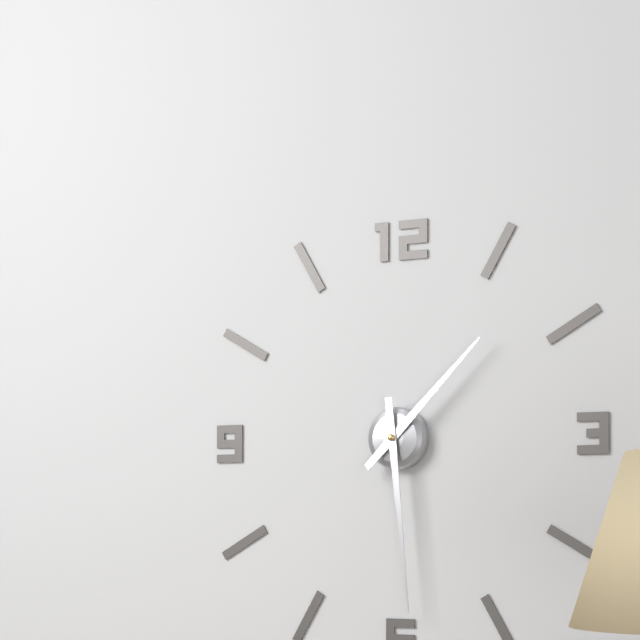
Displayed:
h=1 m=29
